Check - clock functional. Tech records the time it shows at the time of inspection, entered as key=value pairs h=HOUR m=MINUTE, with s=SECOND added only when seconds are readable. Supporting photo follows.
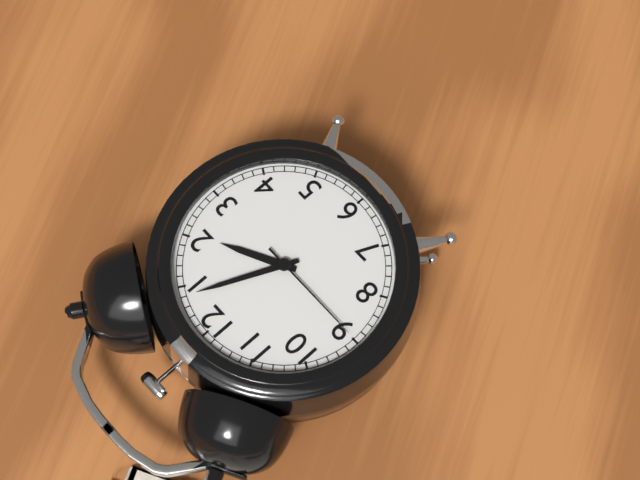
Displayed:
h=2 m=4 s=45
